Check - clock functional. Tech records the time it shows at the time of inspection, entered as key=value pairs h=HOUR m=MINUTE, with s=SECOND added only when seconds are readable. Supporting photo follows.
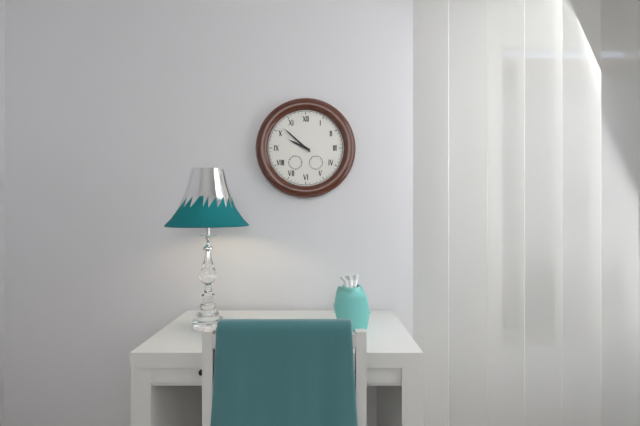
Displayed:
h=9 m=52
